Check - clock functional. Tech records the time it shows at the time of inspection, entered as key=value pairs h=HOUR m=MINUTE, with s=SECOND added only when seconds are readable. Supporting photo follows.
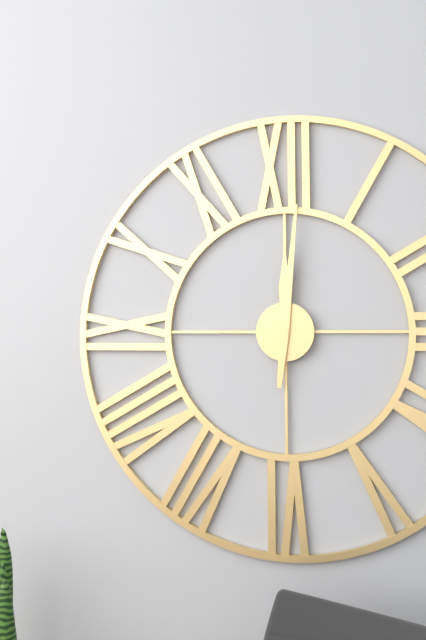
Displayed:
h=12 m=1
